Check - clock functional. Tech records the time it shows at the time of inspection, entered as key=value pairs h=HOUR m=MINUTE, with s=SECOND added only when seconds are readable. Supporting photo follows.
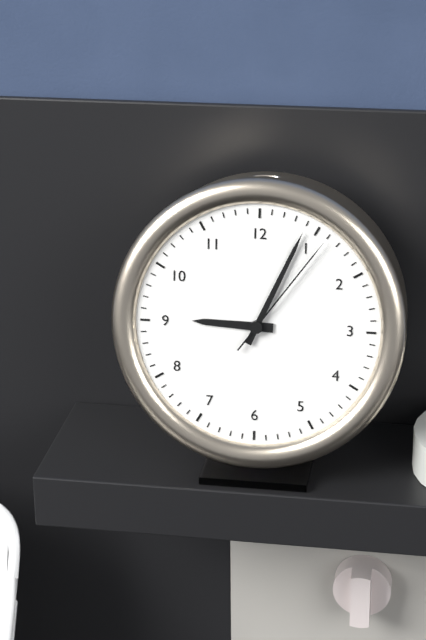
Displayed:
h=9 m=4 s=6
